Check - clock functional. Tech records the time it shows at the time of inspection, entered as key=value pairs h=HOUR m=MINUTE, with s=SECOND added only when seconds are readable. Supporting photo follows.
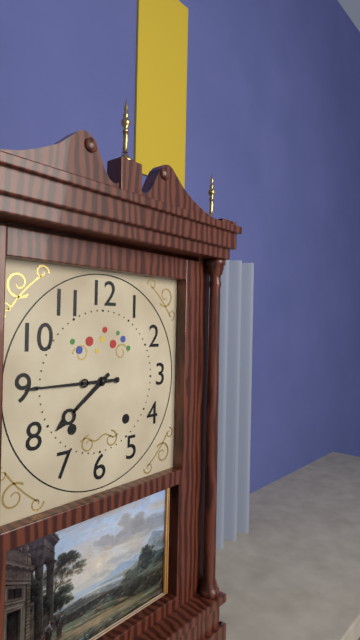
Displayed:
h=7 m=45
